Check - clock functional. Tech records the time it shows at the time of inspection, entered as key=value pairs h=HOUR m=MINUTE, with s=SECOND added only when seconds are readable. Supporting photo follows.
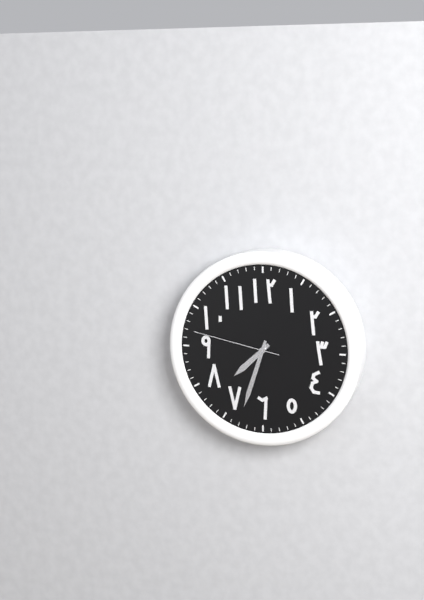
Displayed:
h=7 m=33 s=47
